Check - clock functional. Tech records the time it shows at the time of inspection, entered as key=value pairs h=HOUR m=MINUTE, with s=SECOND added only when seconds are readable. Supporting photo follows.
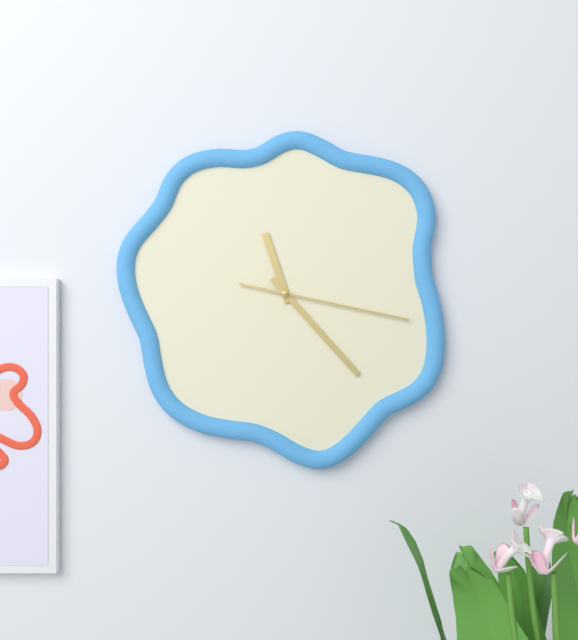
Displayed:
h=11 m=23 s=17
